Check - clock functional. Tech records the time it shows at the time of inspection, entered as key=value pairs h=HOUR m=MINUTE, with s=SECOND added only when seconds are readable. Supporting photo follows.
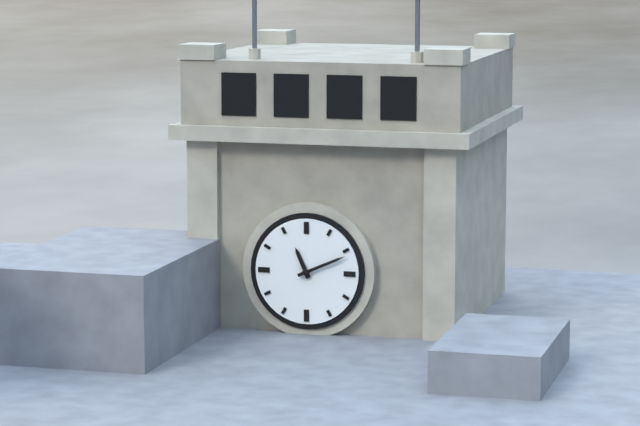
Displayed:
h=11 m=11
